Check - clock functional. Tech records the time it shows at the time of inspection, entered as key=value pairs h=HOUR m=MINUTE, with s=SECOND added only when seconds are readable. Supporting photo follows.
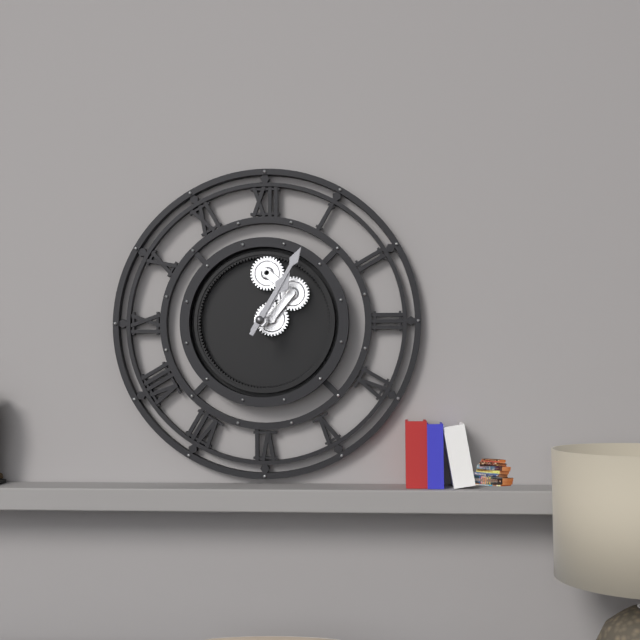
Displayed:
h=1 m=5
